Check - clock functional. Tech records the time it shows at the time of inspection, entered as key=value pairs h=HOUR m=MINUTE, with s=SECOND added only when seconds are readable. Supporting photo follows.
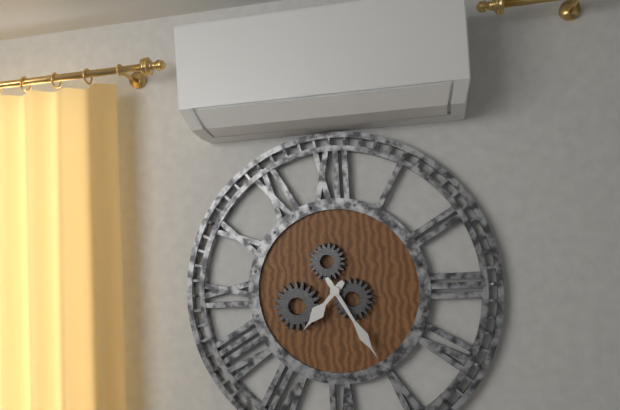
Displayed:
h=7 m=25
